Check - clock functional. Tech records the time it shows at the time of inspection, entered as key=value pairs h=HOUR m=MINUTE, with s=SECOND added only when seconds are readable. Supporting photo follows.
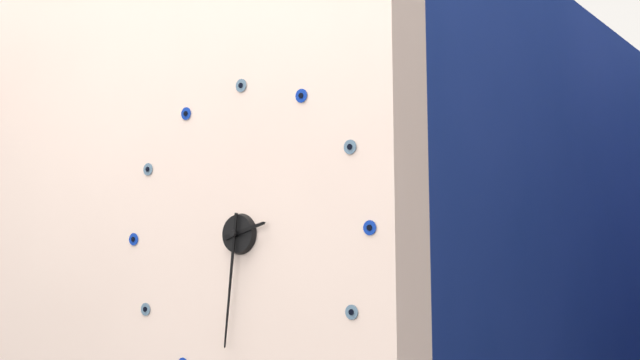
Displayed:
h=2 m=31
